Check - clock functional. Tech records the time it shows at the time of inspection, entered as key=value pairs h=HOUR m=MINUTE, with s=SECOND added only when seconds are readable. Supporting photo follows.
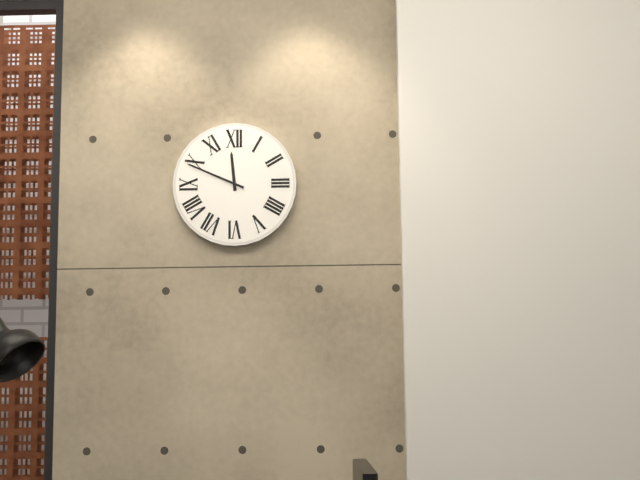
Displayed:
h=11 m=49
